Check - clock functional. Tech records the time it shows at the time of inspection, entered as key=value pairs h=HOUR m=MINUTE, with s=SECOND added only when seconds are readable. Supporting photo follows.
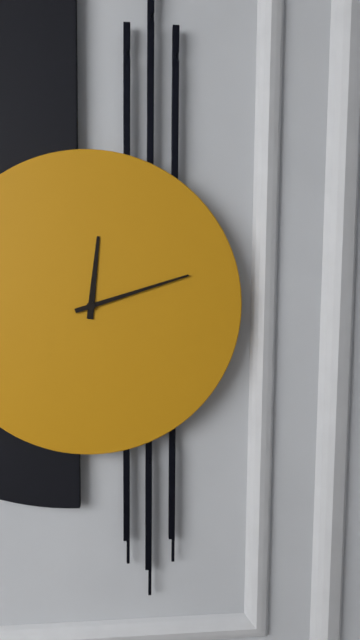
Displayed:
h=12 m=12
